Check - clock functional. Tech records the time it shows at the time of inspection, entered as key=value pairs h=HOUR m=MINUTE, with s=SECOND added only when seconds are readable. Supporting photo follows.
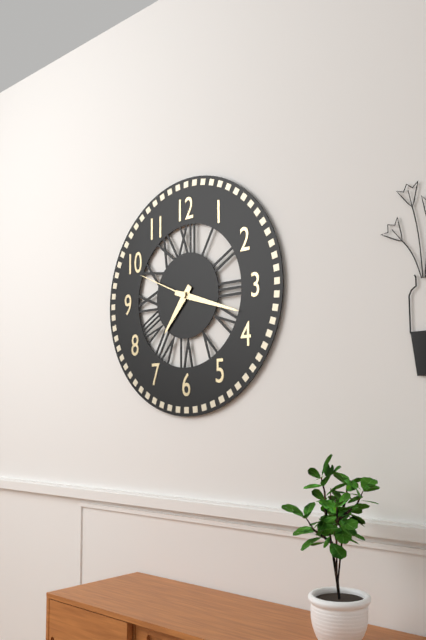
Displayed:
h=7 m=18 s=49
